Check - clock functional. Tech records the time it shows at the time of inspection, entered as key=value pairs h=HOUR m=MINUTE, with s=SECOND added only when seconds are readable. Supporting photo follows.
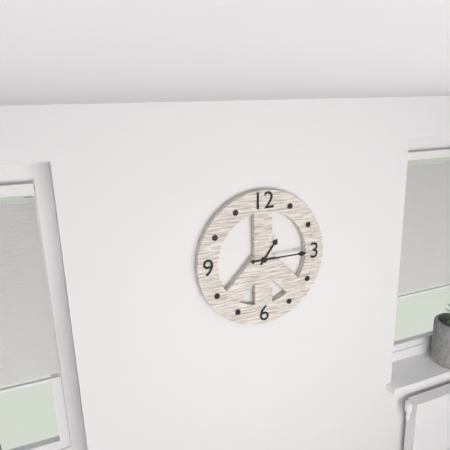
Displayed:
h=1 m=15
